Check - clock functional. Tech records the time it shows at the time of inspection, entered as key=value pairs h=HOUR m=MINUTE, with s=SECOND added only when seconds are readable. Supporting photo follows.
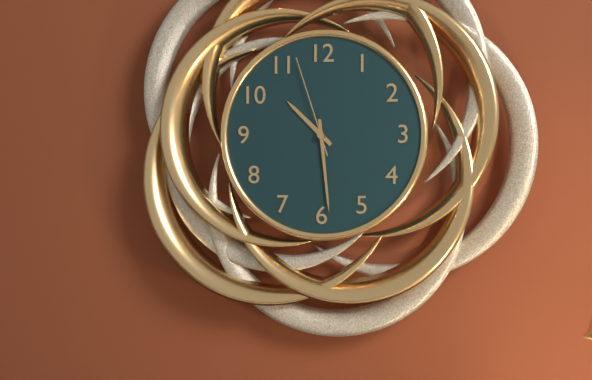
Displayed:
h=10 m=29 s=57
